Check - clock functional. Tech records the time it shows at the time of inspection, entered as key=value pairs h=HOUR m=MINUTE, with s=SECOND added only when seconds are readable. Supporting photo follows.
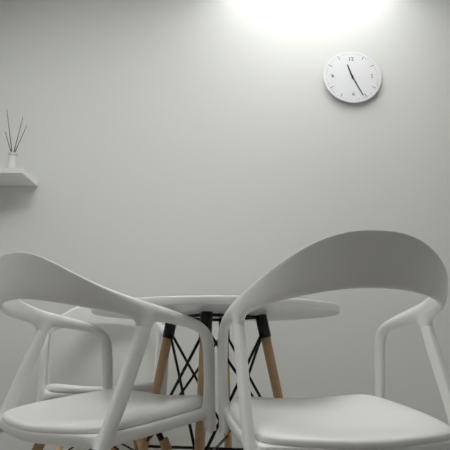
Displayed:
h=11 m=26
